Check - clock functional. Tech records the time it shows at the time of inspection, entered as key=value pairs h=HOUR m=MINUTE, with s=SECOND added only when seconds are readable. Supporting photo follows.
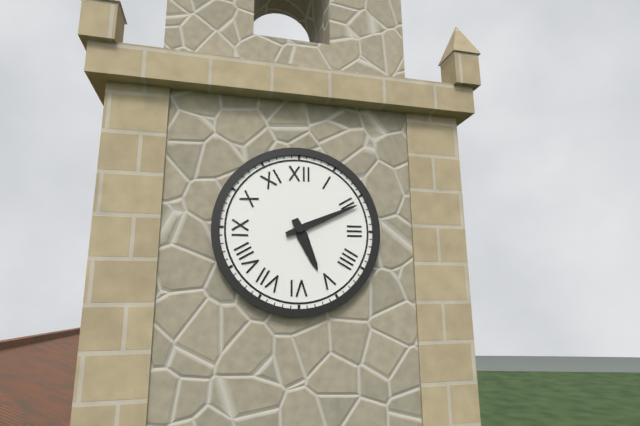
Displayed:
h=5 m=11
